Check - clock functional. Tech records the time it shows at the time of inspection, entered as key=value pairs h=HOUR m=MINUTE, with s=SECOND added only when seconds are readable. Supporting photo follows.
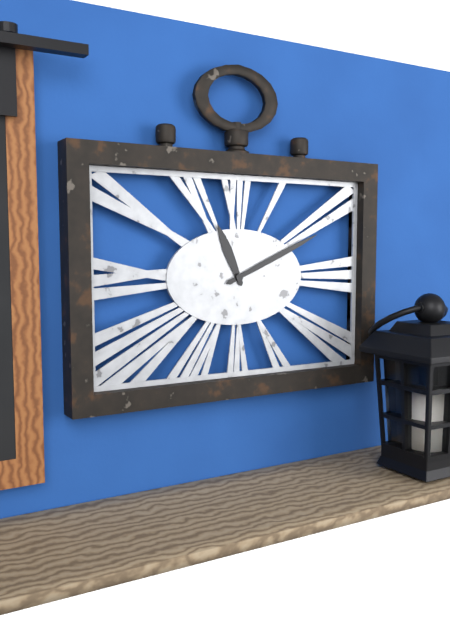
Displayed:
h=11 m=11
